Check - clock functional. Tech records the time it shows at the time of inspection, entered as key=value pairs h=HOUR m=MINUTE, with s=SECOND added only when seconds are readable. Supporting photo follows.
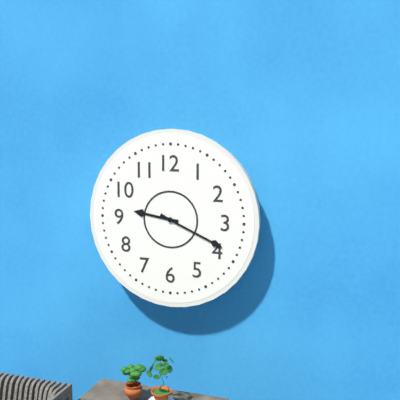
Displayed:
h=9 m=19
